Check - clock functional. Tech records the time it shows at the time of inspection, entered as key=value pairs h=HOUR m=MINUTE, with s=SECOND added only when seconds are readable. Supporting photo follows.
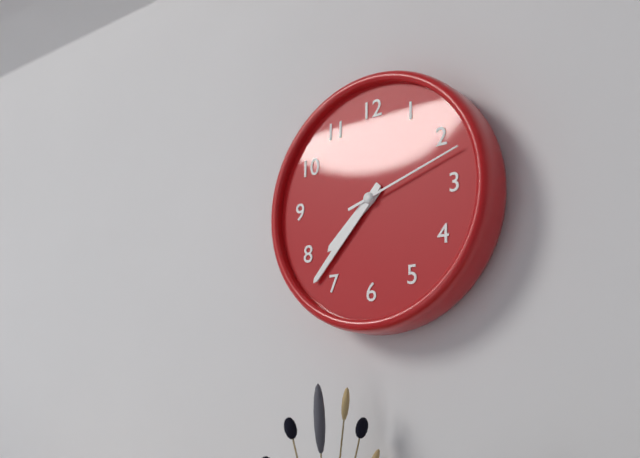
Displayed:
h=7 m=37 s=12
